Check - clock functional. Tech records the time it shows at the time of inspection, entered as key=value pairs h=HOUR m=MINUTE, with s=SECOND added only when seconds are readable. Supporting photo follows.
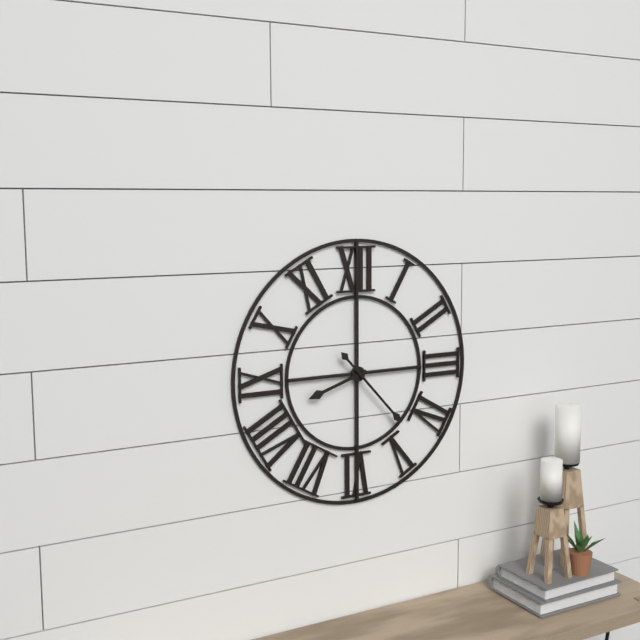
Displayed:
h=8 m=23
